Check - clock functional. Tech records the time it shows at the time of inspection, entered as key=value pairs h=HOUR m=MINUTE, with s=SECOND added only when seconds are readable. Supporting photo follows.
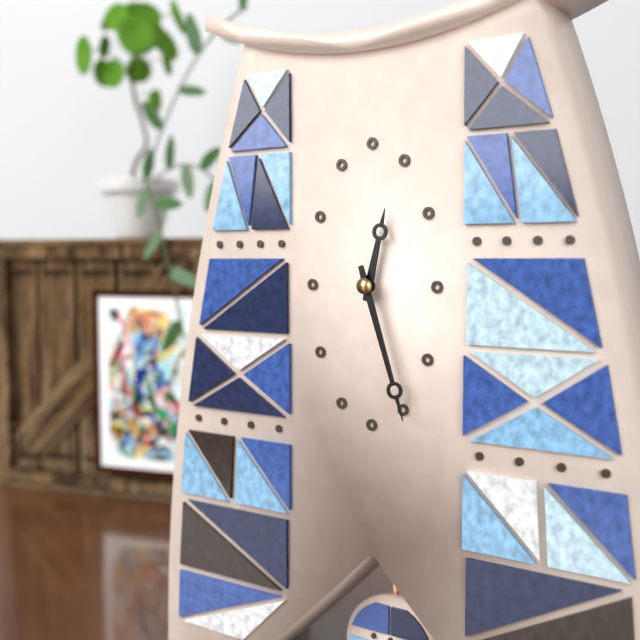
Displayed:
h=12 m=27
